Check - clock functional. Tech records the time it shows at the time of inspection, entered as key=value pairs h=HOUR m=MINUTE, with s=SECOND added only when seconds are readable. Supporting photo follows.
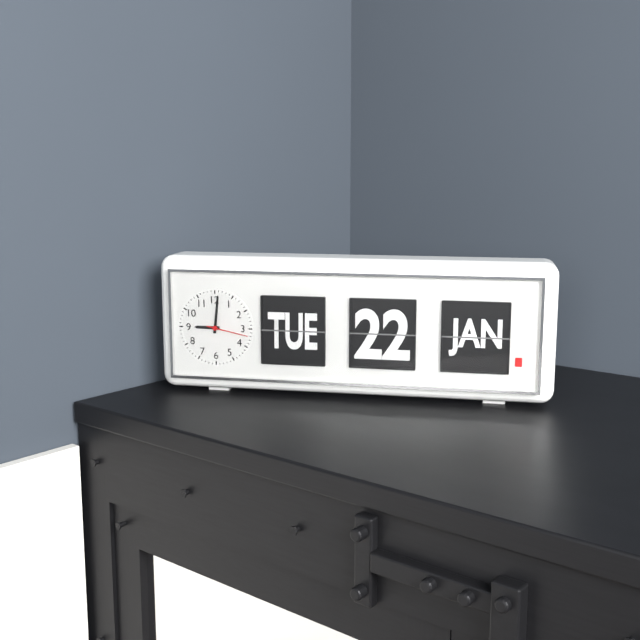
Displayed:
h=9 m=1
